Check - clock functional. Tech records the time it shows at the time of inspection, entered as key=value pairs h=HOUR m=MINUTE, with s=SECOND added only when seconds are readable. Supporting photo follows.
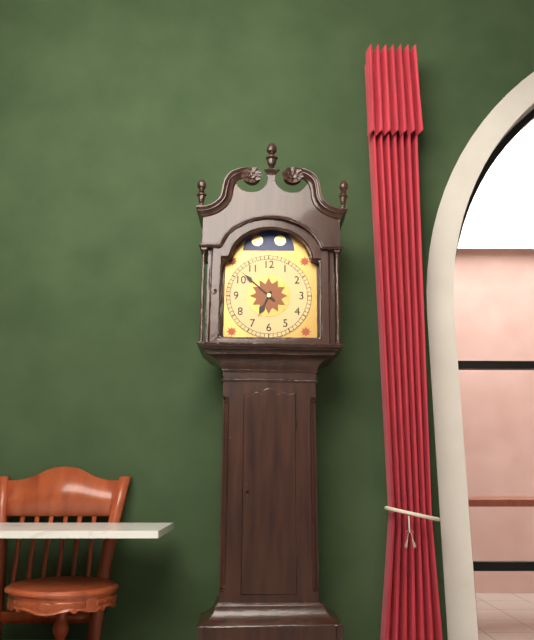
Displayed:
h=6 m=52
